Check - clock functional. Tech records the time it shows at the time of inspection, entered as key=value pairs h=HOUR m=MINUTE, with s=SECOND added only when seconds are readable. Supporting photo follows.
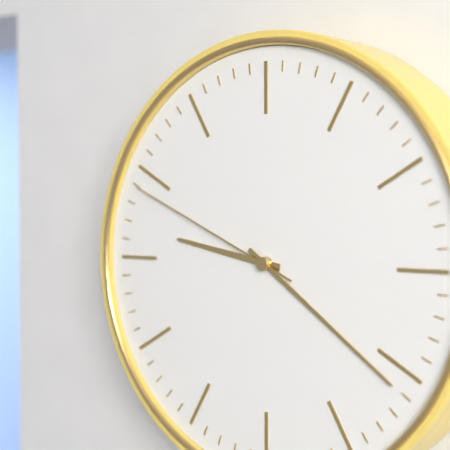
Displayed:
h=9 m=21 s=49
